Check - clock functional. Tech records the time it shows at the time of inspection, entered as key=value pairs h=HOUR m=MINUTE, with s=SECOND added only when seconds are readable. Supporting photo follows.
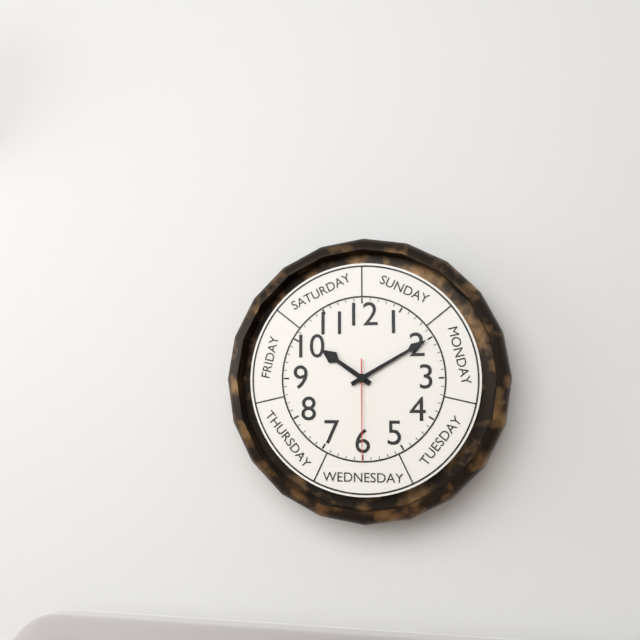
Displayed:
h=10 m=10 s=30
